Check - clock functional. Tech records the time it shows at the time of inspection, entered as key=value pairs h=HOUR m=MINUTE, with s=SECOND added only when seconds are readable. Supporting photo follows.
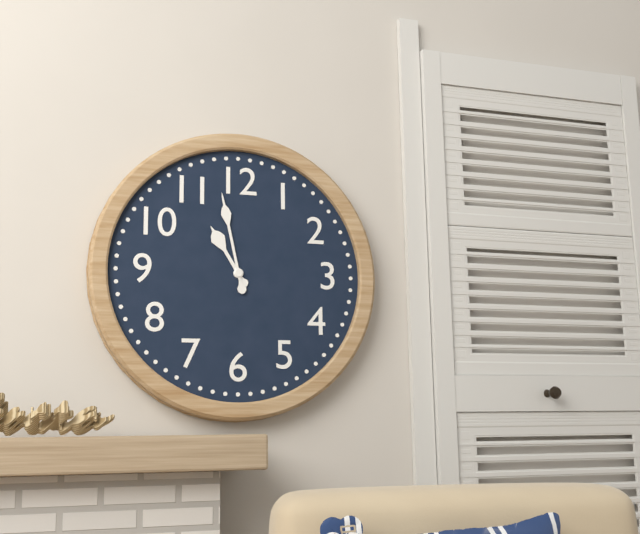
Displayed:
h=10 m=58
